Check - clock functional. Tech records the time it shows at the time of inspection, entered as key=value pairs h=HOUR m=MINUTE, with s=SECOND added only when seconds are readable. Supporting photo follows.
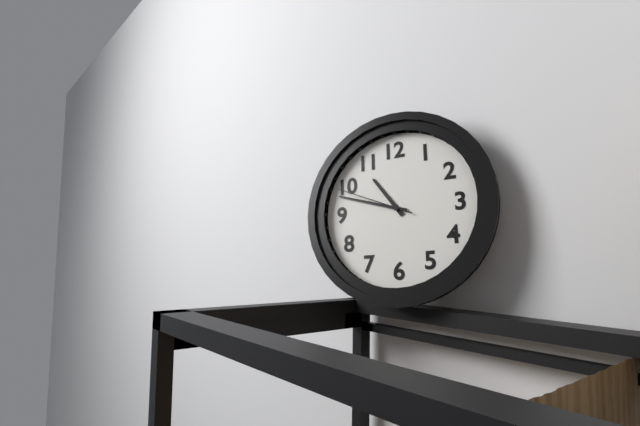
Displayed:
h=10 m=48 s=49
